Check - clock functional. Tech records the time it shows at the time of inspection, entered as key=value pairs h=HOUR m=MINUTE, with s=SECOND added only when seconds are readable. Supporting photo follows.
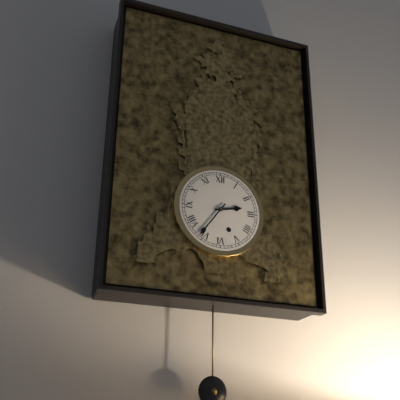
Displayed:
h=2 m=36
